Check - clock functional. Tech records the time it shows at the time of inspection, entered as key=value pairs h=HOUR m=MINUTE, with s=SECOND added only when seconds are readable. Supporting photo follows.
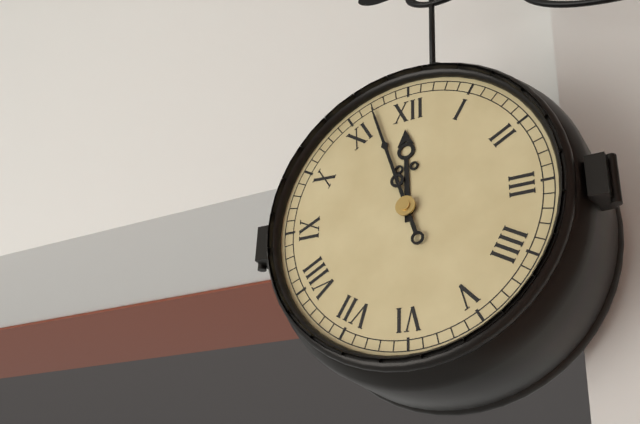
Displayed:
h=11 m=57
